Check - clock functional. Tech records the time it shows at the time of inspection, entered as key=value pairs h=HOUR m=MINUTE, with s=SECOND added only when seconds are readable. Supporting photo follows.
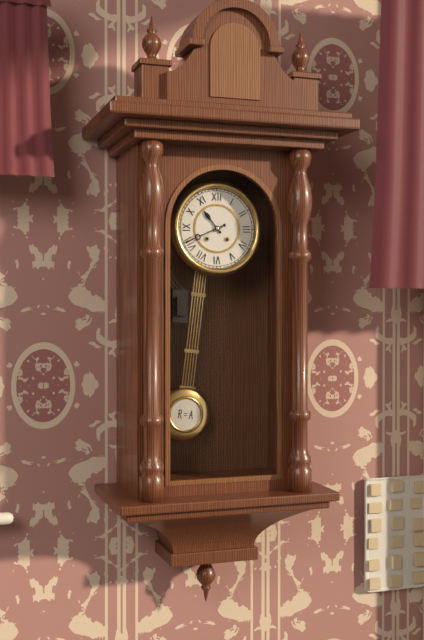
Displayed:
h=10 m=41
